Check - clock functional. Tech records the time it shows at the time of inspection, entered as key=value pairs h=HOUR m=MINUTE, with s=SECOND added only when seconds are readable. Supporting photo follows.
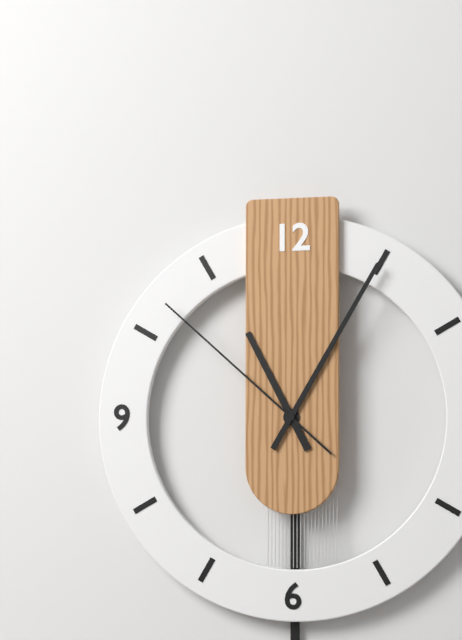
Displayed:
h=11 m=5 s=52
